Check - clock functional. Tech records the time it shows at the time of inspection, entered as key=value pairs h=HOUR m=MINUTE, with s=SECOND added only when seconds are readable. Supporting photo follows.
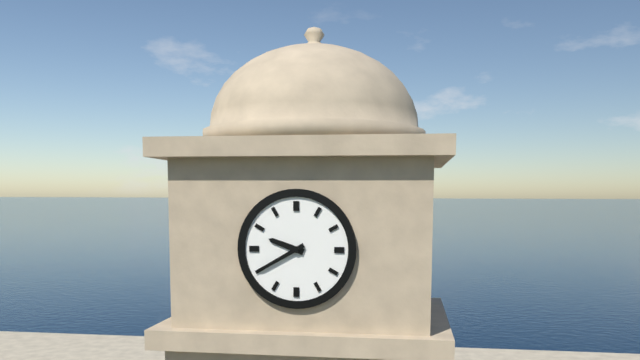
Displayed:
h=9 m=40
